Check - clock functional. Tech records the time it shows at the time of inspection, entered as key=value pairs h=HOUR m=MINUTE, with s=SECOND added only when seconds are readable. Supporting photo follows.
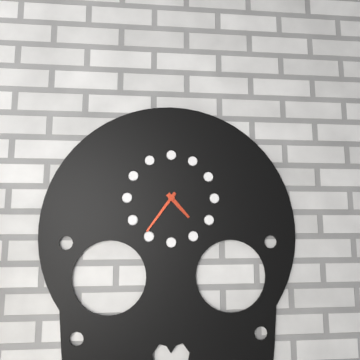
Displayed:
h=4 m=36
